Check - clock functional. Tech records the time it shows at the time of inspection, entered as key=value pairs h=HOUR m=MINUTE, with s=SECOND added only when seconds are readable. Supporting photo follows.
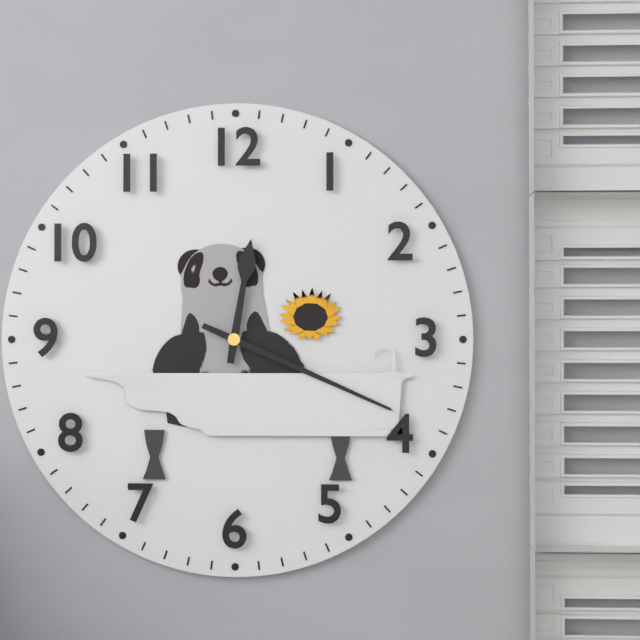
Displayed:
h=12 m=19
